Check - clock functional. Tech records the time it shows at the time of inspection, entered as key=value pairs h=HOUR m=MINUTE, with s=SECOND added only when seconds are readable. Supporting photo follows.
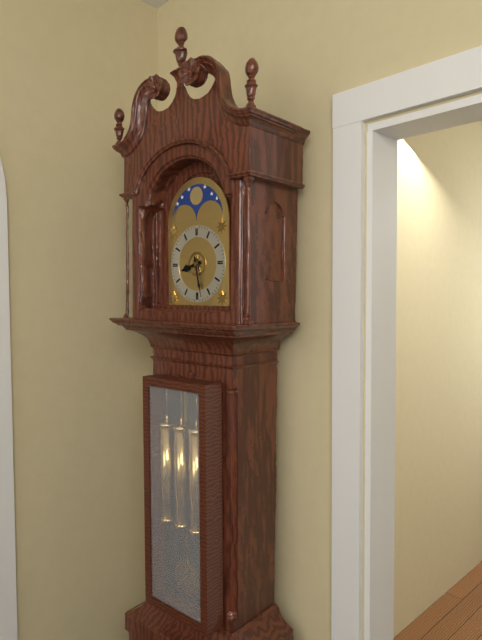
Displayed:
h=8 m=28
